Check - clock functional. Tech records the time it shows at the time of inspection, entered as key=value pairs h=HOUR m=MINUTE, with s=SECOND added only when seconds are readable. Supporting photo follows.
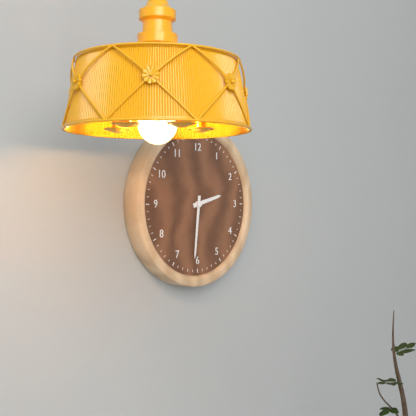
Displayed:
h=2 m=31
